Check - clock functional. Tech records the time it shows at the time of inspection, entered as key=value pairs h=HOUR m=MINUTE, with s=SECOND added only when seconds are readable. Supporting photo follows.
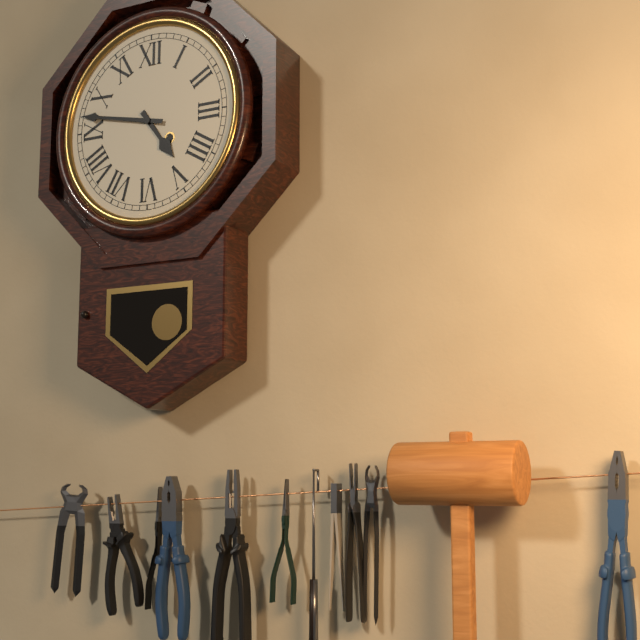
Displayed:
h=4 m=47
